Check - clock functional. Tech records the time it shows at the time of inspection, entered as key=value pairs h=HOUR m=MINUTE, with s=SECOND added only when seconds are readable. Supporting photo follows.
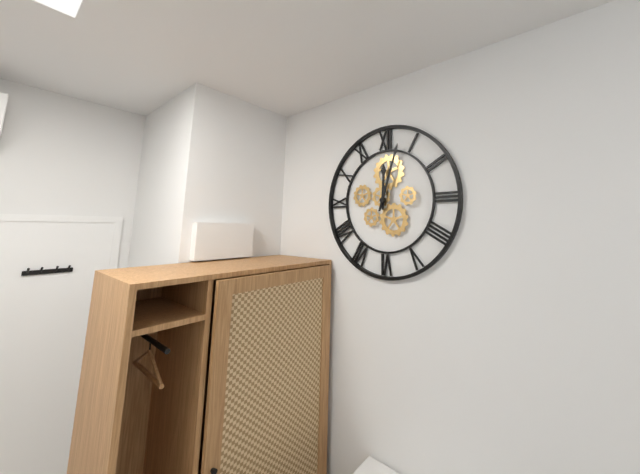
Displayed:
h=12 m=3
